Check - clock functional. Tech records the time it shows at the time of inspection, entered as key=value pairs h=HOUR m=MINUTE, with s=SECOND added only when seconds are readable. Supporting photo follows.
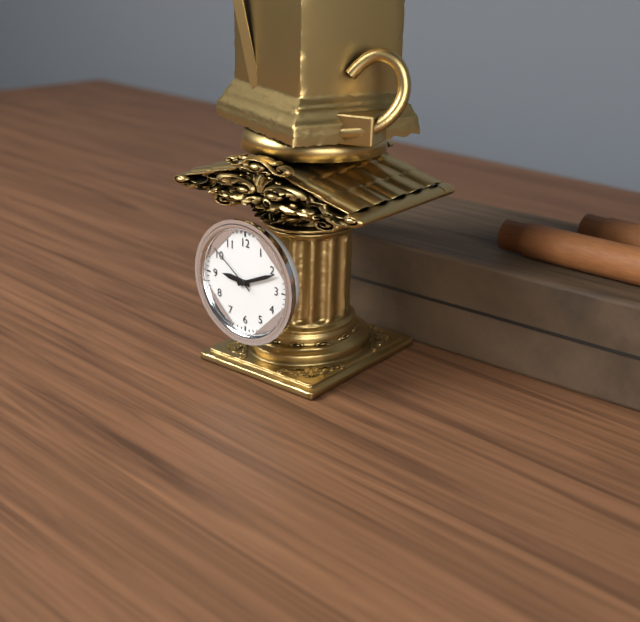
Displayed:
h=9 m=11 s=51
